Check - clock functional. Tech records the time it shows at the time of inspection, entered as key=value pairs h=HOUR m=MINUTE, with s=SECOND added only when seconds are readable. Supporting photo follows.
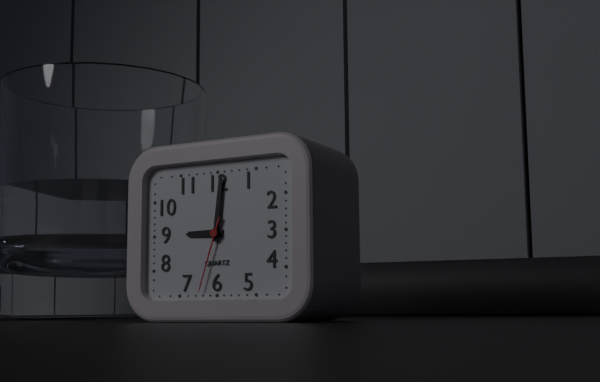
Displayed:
h=9 m=1 s=33
